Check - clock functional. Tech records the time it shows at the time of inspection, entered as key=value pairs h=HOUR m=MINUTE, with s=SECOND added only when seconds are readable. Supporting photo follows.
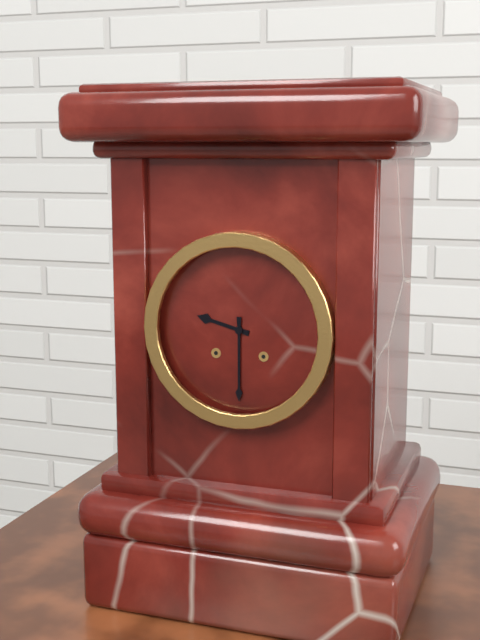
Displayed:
h=9 m=30
